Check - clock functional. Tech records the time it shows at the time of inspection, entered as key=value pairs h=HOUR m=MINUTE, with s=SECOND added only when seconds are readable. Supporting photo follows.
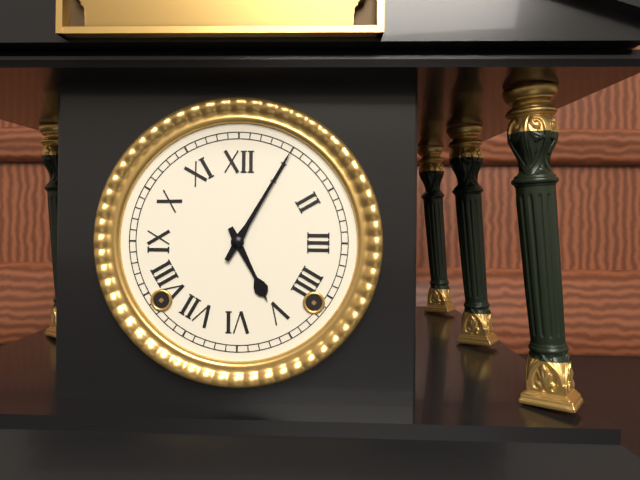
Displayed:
h=5 m=5
